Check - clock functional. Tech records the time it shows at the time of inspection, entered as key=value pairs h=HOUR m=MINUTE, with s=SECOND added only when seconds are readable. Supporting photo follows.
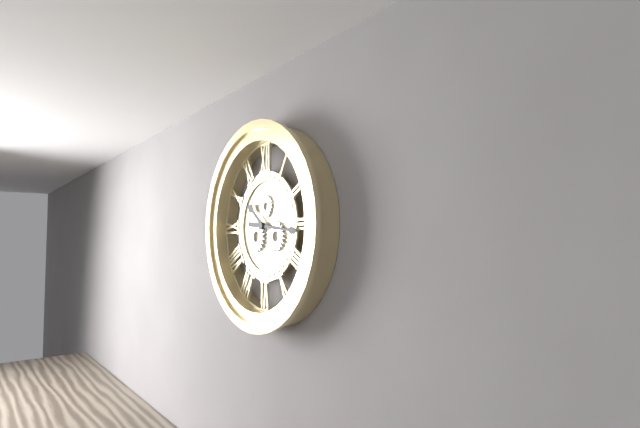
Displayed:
h=10 m=16
